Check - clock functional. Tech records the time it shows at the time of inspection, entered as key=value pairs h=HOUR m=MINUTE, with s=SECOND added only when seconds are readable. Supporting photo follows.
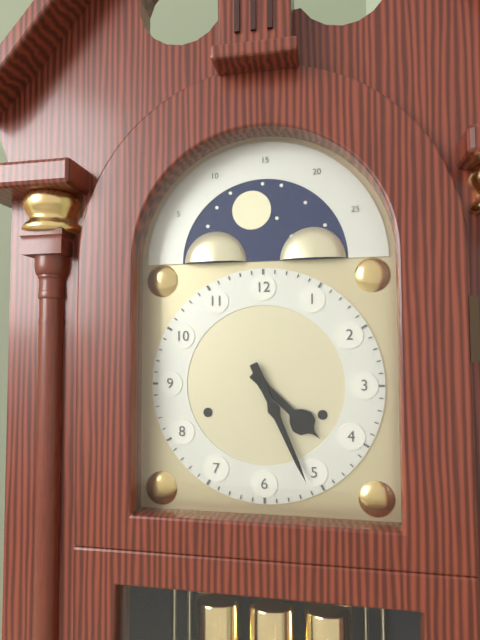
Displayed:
h=4 m=26
